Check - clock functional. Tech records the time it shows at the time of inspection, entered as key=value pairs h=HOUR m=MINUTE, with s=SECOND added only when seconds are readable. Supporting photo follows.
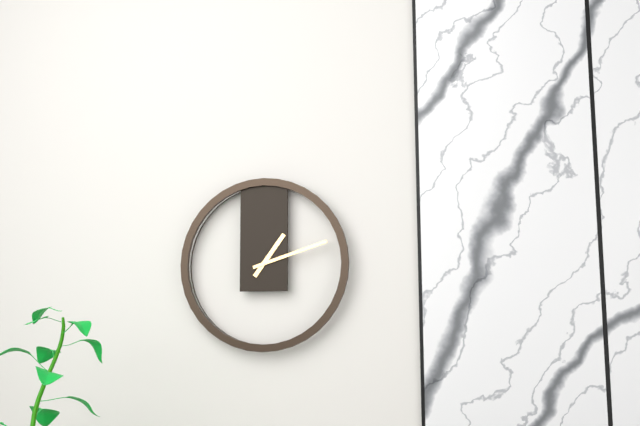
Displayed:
h=1 m=12
